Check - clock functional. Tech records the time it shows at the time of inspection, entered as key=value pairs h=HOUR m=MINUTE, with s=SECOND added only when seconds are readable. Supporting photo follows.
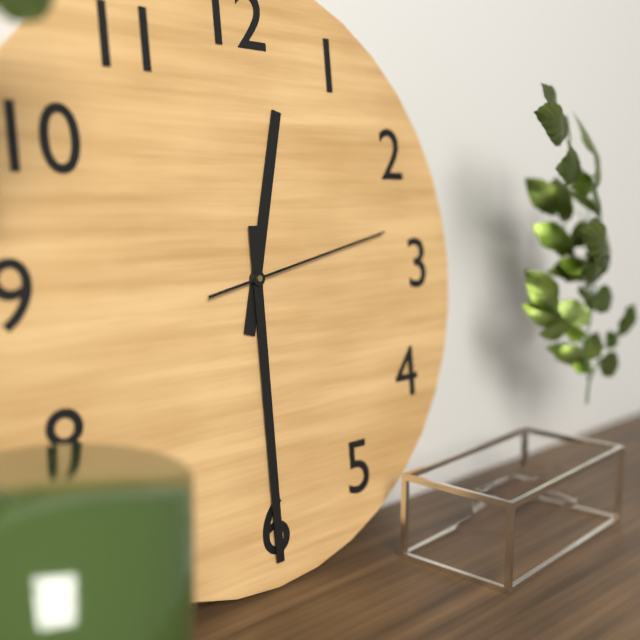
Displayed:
h=12 m=30 s=13
